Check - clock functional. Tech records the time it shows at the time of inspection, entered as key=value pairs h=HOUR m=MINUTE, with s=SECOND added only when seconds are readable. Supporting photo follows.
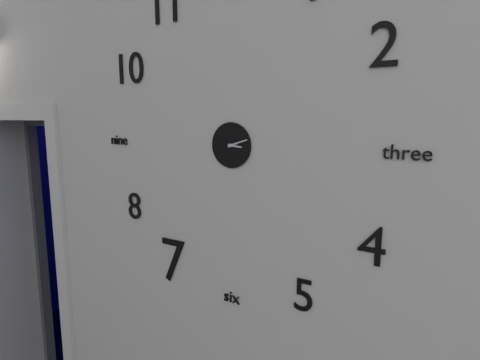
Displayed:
h=3 m=12
